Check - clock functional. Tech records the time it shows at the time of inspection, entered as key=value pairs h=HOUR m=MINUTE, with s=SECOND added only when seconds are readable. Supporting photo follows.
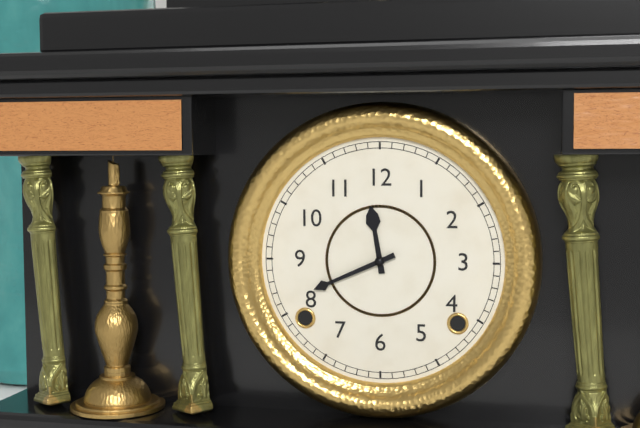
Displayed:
h=11 m=41
